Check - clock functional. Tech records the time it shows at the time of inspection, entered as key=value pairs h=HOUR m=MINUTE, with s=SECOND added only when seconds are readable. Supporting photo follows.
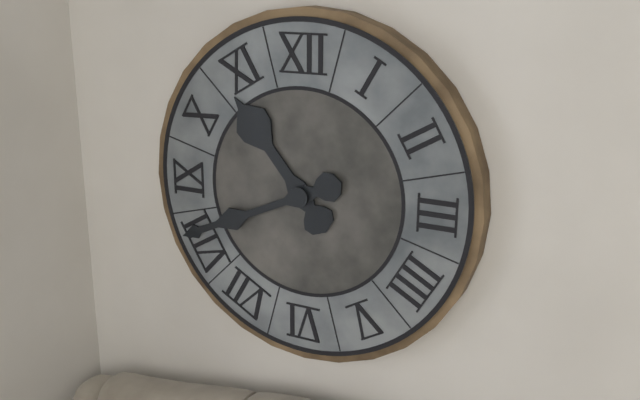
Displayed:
h=10 m=41
